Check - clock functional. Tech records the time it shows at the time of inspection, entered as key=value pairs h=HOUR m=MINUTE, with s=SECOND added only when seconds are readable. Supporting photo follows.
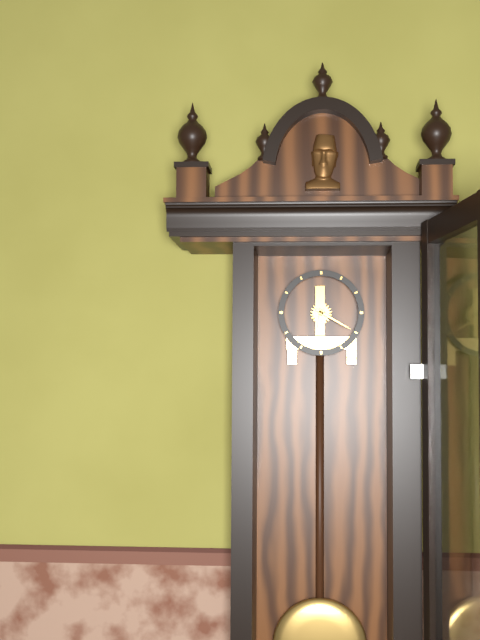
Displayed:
h=6 m=20
